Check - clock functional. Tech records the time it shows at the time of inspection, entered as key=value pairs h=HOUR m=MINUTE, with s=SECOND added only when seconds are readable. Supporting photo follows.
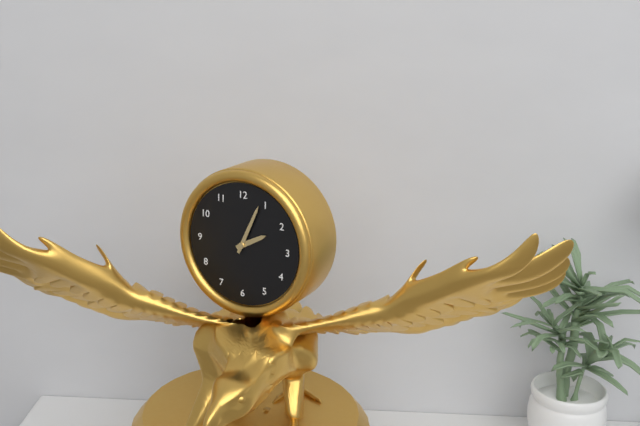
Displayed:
h=2 m=4
